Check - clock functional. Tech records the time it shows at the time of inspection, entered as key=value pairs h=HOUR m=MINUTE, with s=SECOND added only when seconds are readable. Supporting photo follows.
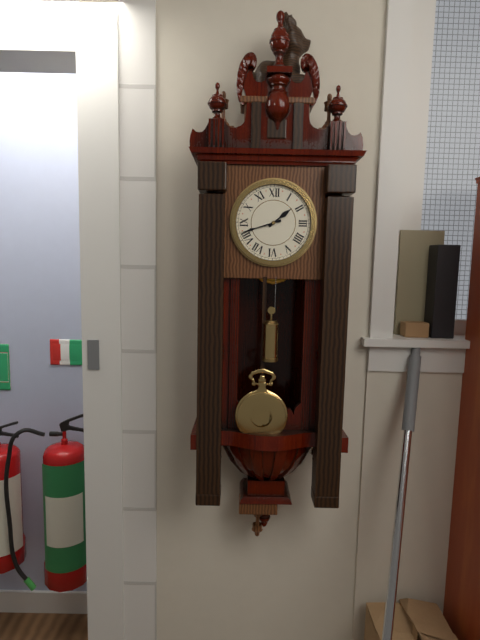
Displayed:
h=1 m=42
